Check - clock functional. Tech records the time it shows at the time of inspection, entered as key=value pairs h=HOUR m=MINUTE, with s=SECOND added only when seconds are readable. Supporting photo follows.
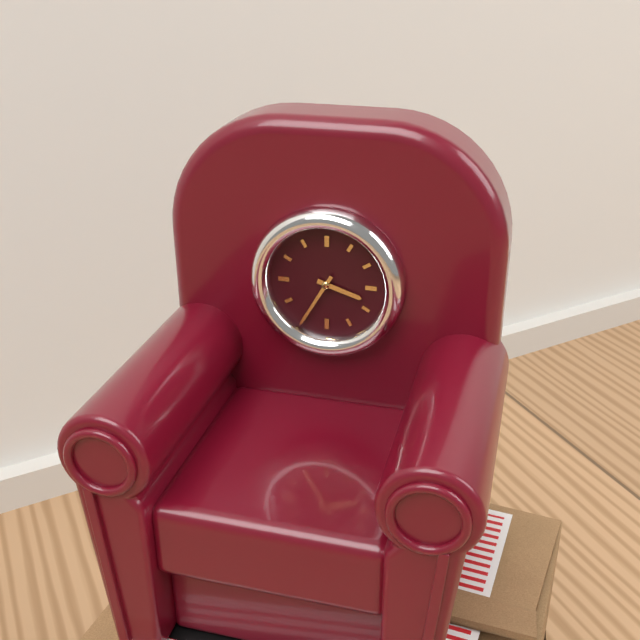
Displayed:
h=3 m=35
